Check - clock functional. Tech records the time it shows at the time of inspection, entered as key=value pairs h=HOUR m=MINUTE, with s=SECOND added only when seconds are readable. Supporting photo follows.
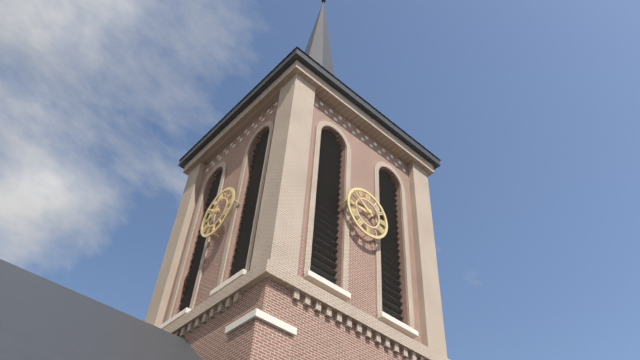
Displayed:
h=8 m=51
